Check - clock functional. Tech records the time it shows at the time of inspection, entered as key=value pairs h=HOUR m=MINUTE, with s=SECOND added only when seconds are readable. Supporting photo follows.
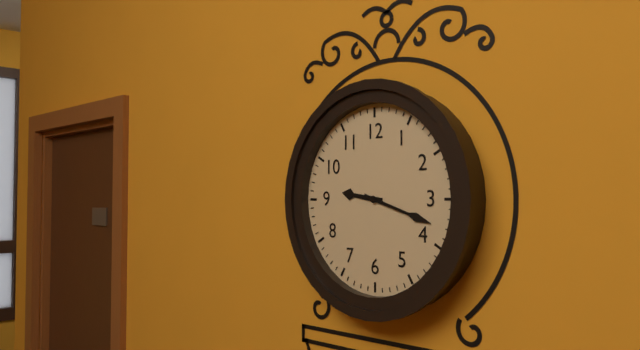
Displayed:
h=9 m=18
